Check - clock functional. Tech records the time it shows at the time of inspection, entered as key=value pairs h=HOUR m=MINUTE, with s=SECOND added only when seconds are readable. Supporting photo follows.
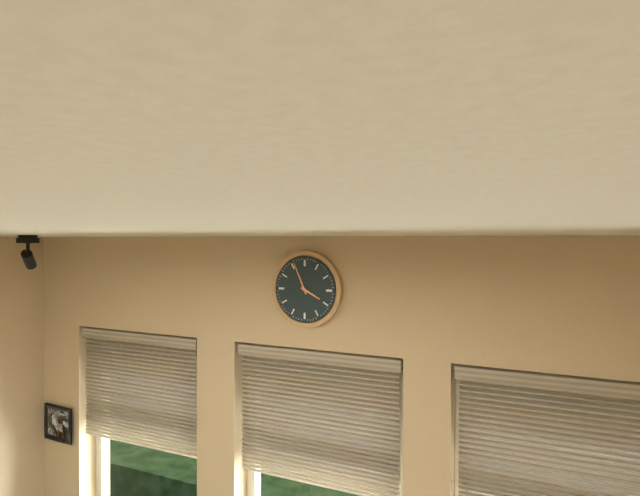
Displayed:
h=3 m=56
